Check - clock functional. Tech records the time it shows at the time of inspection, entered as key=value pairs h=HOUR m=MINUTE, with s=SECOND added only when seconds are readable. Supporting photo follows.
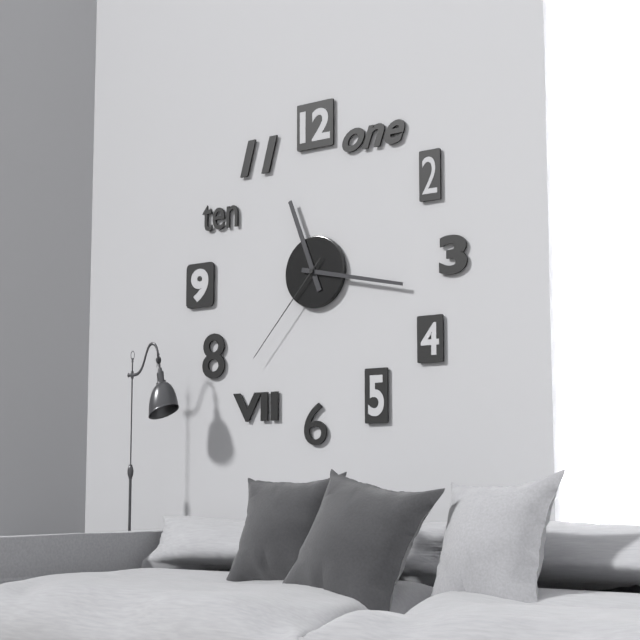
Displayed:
h=11 m=17 s=37
